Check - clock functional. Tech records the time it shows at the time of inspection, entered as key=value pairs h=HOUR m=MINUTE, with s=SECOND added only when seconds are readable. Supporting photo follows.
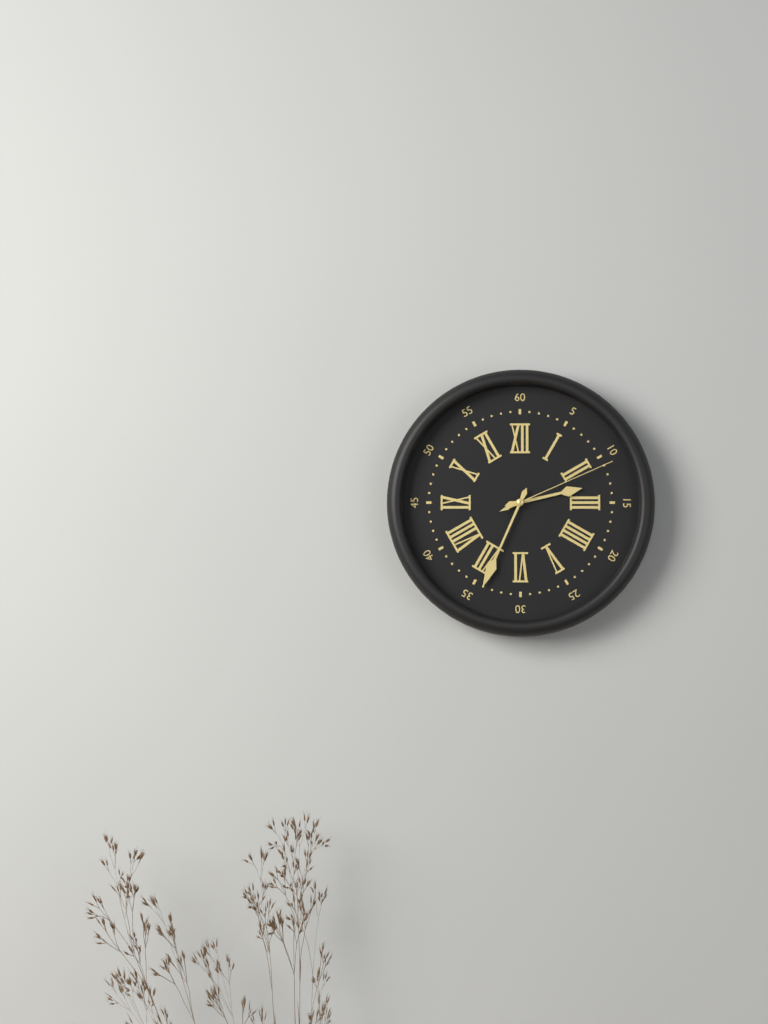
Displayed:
h=2 m=34 s=11
